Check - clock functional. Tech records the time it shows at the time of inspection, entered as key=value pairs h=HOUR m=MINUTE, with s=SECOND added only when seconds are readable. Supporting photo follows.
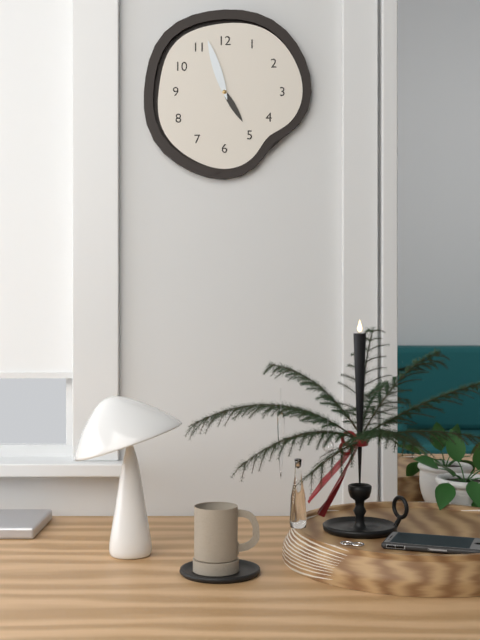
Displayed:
h=4 m=57
